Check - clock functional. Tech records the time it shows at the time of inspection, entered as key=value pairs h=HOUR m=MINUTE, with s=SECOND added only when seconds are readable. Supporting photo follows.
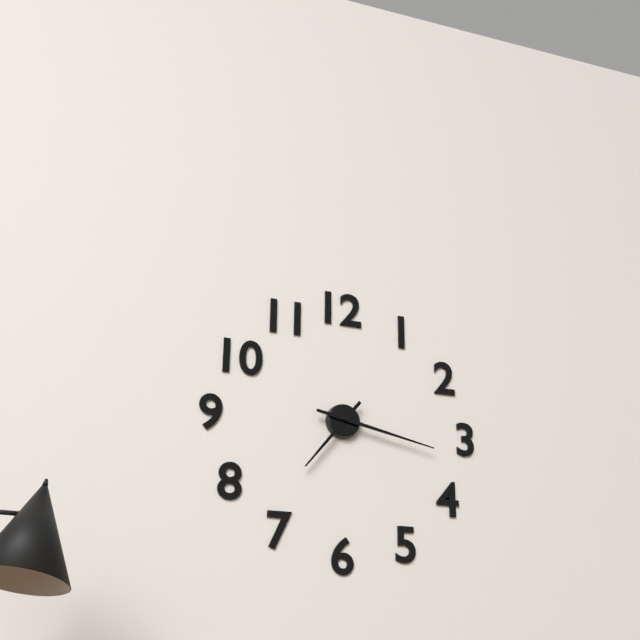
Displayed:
h=7 m=17
